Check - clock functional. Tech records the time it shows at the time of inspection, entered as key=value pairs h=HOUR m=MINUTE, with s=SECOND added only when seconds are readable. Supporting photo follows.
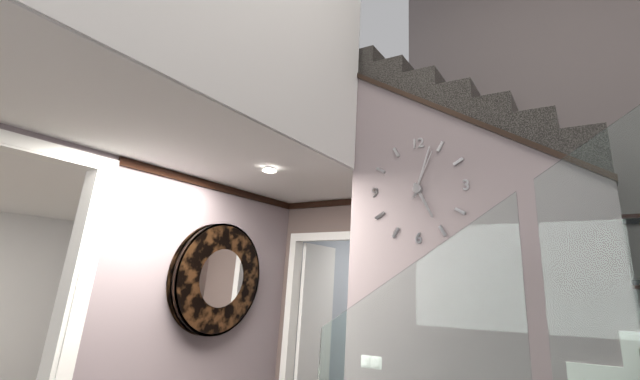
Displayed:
h=5 m=3 s=4
